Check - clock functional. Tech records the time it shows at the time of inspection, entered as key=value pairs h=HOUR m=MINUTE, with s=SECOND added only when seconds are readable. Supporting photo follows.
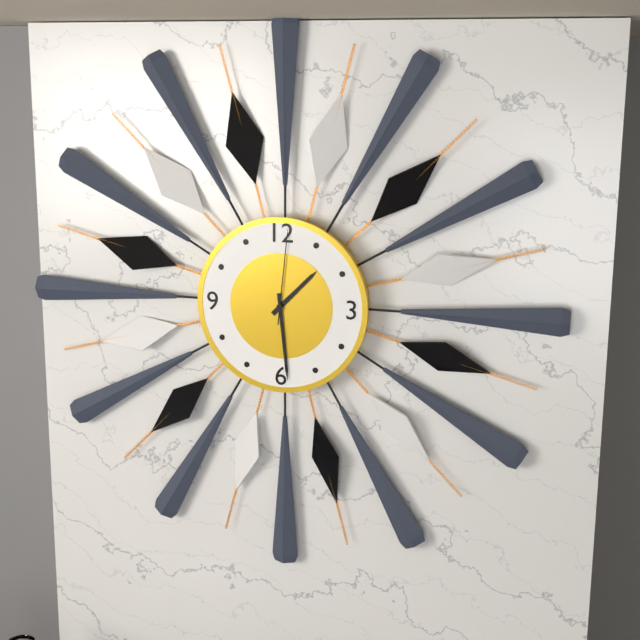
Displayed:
h=1 m=29 s=1
